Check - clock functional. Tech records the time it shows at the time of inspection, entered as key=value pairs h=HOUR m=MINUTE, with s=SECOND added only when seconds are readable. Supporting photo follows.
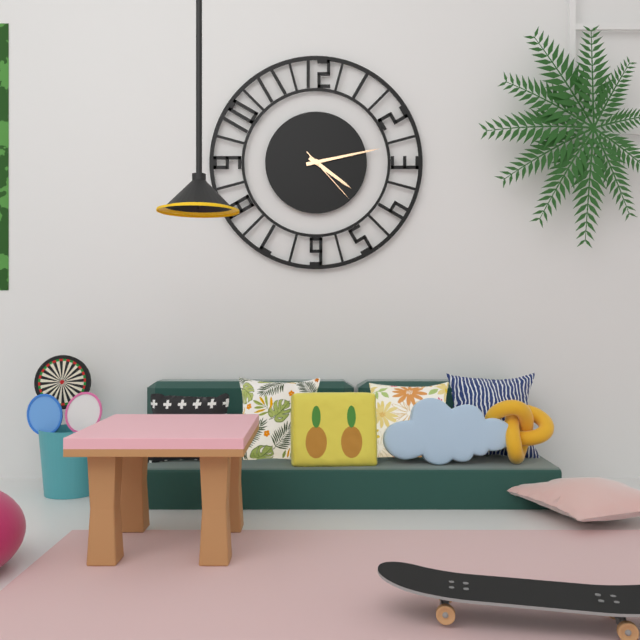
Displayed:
h=4 m=13 s=23
